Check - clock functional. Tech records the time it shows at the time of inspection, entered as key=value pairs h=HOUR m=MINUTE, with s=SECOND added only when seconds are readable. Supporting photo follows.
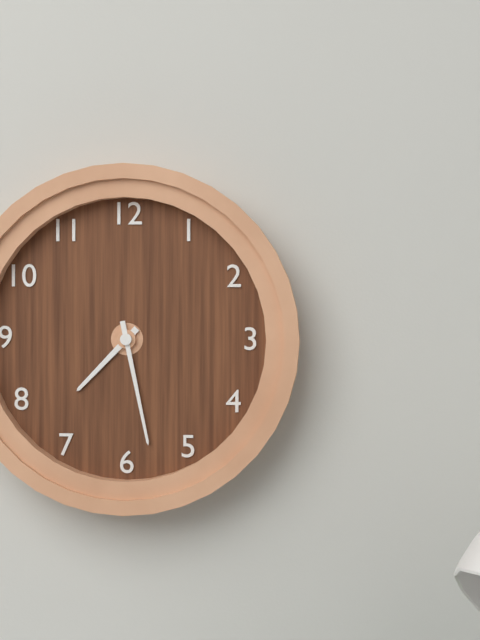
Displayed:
h=7 m=28
